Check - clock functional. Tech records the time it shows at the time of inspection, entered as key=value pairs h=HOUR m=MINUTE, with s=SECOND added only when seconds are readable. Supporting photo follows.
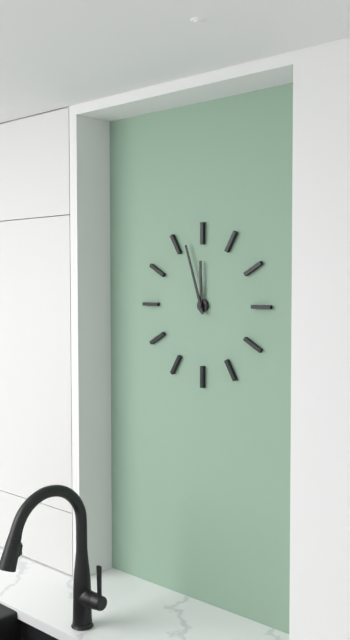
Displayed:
h=11 m=57
